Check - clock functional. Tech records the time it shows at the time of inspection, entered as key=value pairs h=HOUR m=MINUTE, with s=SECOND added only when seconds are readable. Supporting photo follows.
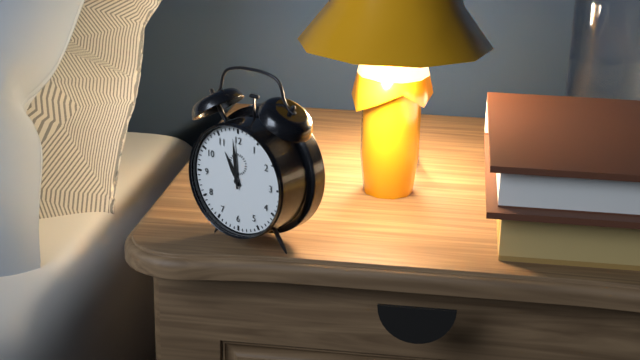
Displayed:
h=10 m=59
